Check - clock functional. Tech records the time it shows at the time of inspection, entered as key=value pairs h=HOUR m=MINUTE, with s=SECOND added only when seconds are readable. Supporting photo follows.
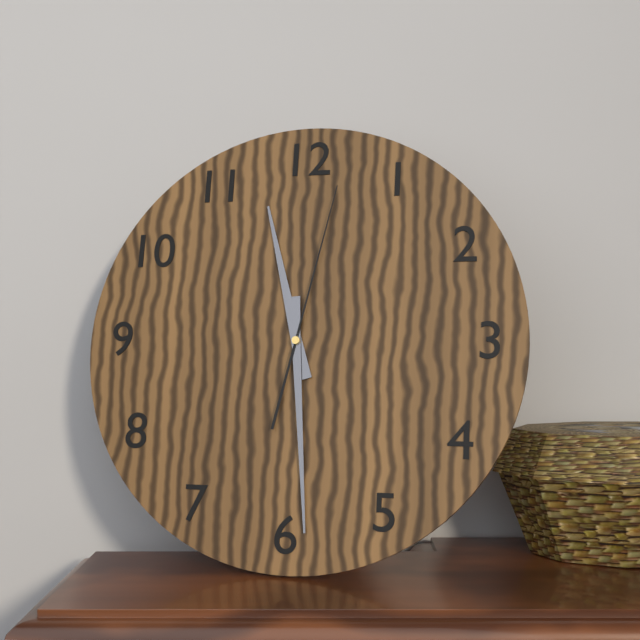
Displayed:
h=11 m=29 s=2
